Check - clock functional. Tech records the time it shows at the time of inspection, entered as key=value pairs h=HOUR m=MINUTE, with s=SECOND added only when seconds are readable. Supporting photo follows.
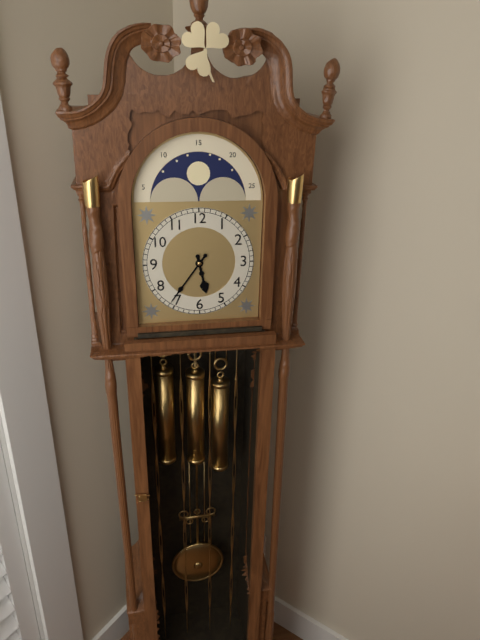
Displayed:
h=5 m=36
